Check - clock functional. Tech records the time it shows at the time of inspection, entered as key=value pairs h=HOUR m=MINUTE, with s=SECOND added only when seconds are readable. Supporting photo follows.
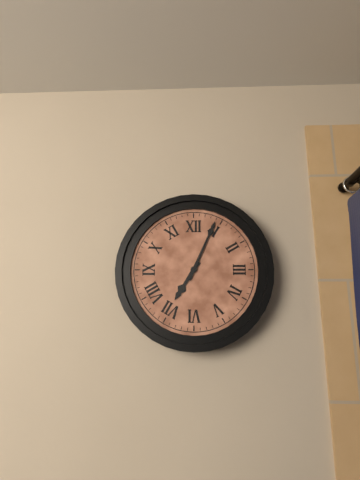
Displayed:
h=7 m=4
